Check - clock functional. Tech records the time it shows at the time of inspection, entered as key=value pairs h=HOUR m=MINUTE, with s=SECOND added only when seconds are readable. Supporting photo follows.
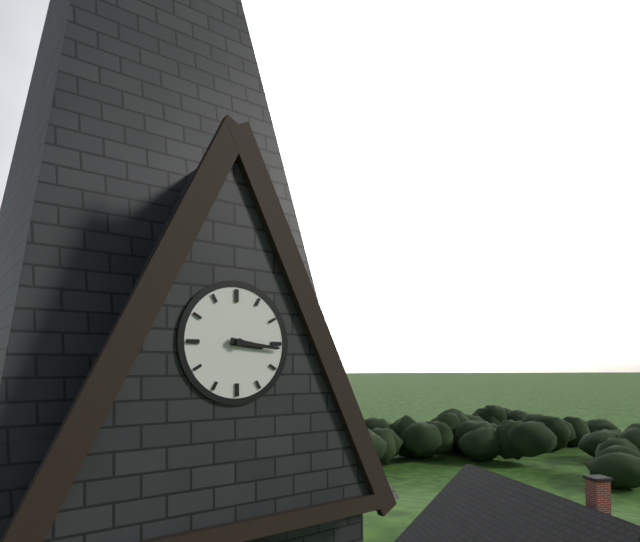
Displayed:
h=3 m=16
